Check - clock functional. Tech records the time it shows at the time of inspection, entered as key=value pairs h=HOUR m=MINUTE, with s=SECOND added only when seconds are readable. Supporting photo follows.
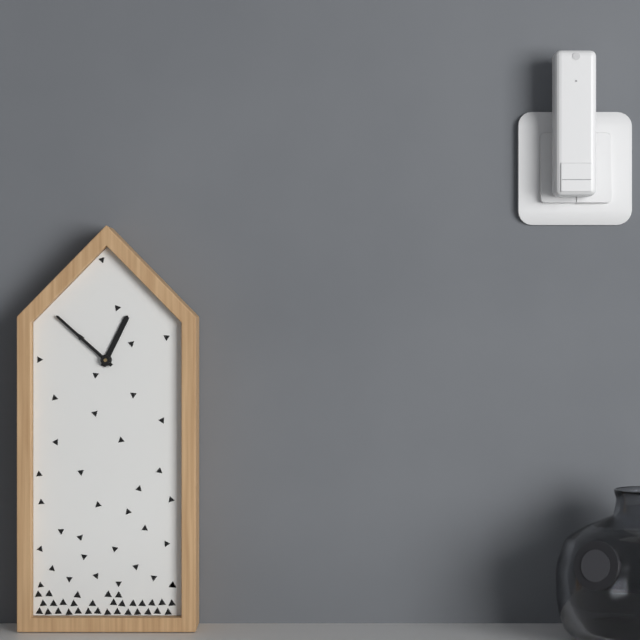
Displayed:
h=12 m=52
